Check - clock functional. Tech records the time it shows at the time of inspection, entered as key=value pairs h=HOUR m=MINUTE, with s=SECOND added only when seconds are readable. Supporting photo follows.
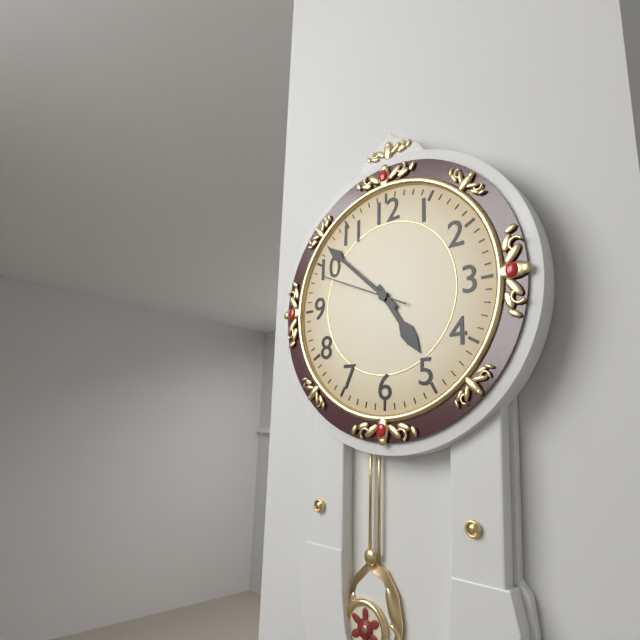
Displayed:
h=4 m=52 s=49
